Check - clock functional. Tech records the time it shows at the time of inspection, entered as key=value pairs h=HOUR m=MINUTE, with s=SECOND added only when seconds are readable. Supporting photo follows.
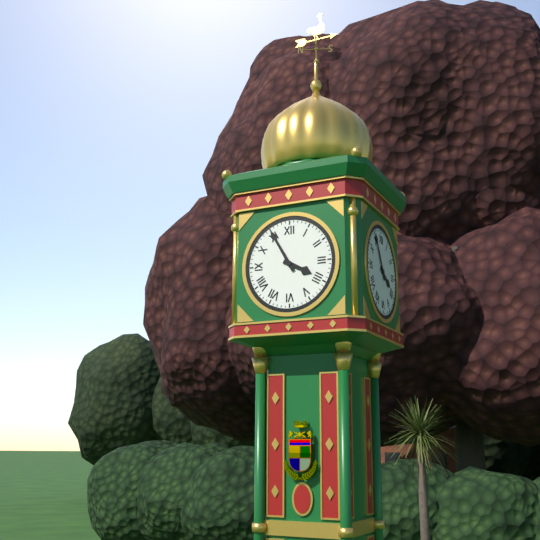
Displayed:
h=3 m=55
